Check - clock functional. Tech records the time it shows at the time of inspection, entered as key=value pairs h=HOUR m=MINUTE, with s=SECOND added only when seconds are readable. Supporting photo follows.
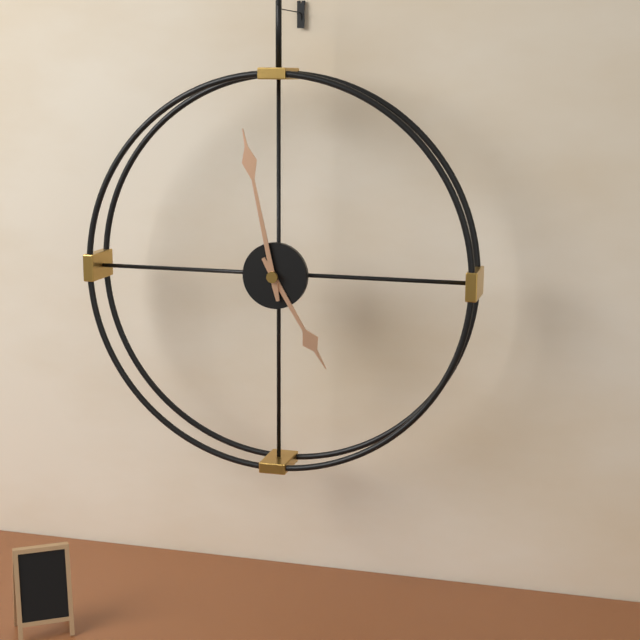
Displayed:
h=4 m=58
